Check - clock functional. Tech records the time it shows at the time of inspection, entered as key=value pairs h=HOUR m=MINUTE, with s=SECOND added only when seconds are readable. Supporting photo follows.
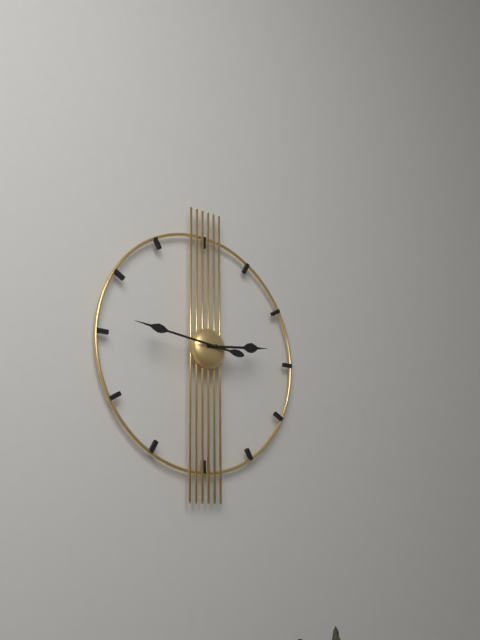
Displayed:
h=2 m=46
